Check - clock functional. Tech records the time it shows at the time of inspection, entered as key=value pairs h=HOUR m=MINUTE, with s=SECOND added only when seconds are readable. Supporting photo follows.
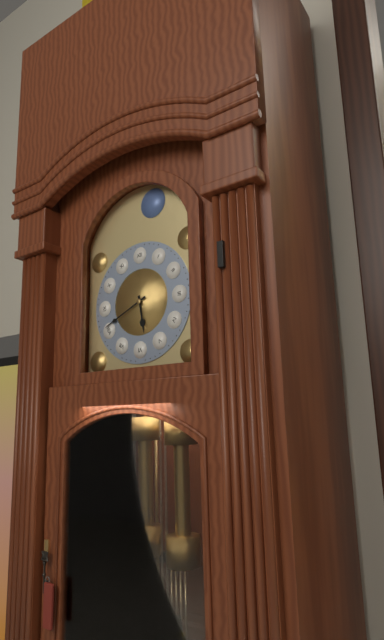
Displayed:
h=5 m=41
